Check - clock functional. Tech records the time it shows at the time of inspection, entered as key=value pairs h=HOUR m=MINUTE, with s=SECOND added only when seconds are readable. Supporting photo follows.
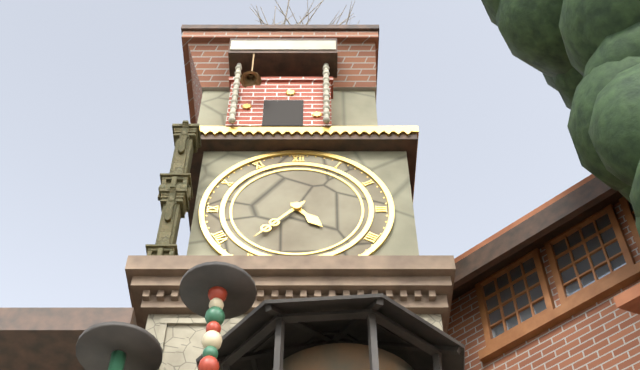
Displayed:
h=4 m=37
